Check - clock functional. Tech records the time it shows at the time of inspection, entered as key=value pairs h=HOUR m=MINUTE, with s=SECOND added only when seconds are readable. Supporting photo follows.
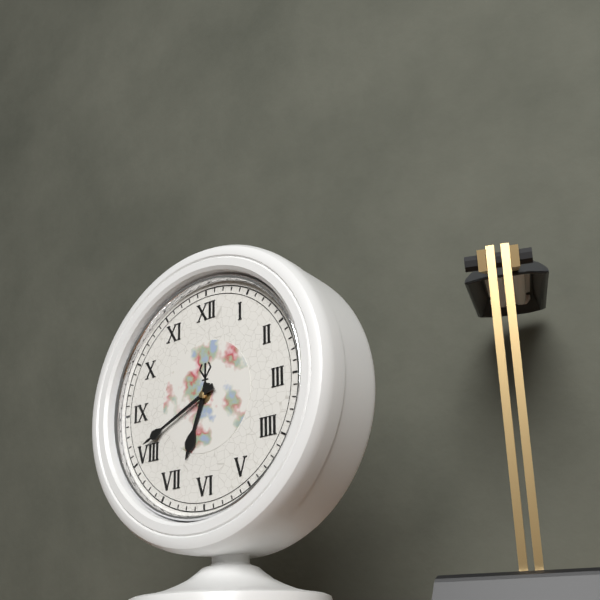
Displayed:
h=6 m=41
